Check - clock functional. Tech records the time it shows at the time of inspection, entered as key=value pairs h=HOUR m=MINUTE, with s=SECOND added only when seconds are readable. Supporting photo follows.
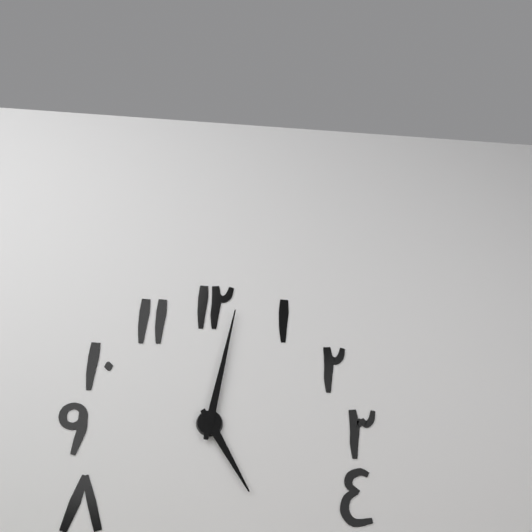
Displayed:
h=5 m=2
